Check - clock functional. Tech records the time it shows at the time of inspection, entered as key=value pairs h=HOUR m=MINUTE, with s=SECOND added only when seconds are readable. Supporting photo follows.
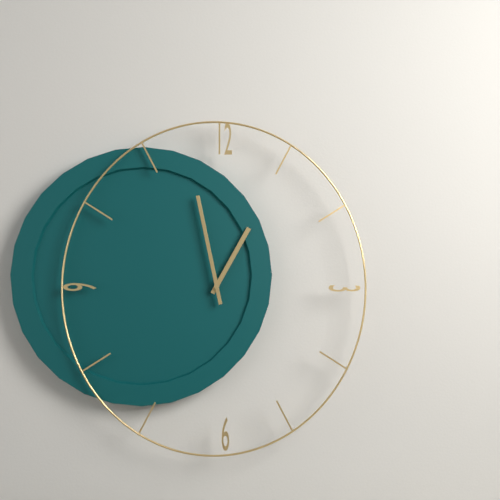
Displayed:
h=12 m=58
